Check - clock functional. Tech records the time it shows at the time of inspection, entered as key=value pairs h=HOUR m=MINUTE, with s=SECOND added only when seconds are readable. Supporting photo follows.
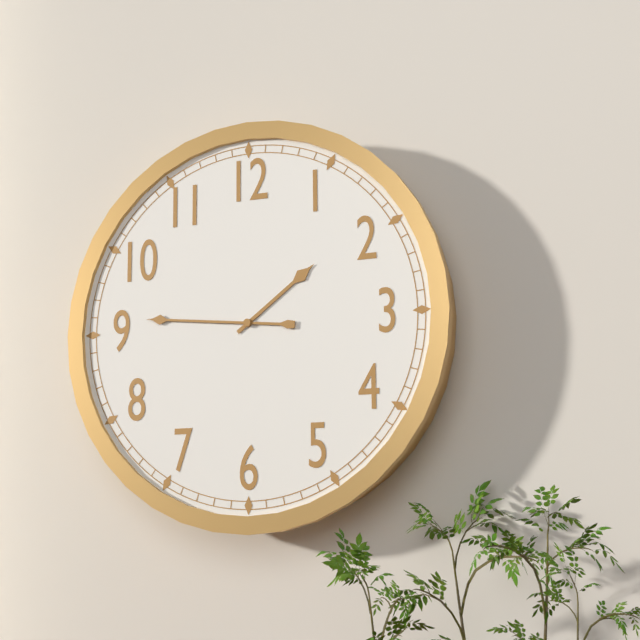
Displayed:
h=1 m=46
